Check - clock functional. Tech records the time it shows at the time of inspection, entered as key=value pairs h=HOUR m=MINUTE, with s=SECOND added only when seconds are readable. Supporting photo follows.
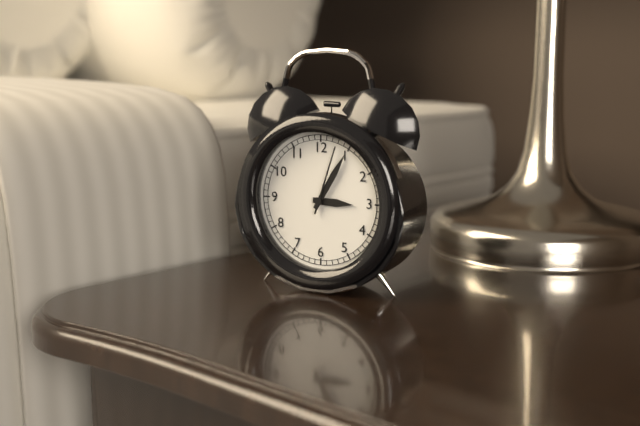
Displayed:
h=3 m=5 s=3
